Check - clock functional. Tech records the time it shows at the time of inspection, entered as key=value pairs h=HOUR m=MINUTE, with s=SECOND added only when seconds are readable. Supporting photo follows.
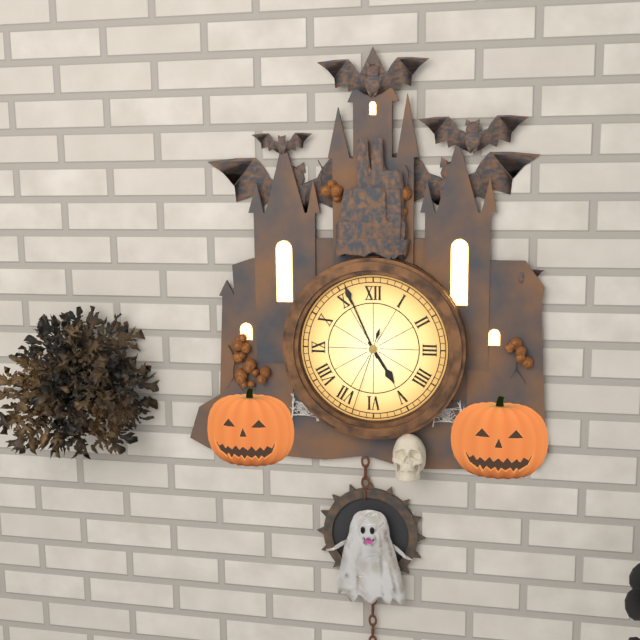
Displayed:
h=4 m=56 s=33
